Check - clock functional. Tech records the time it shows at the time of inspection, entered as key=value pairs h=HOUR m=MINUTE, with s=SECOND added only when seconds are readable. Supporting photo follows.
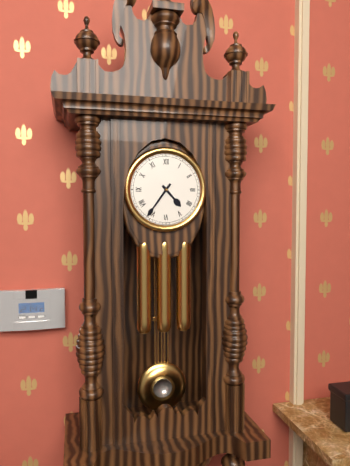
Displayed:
h=4 m=36
